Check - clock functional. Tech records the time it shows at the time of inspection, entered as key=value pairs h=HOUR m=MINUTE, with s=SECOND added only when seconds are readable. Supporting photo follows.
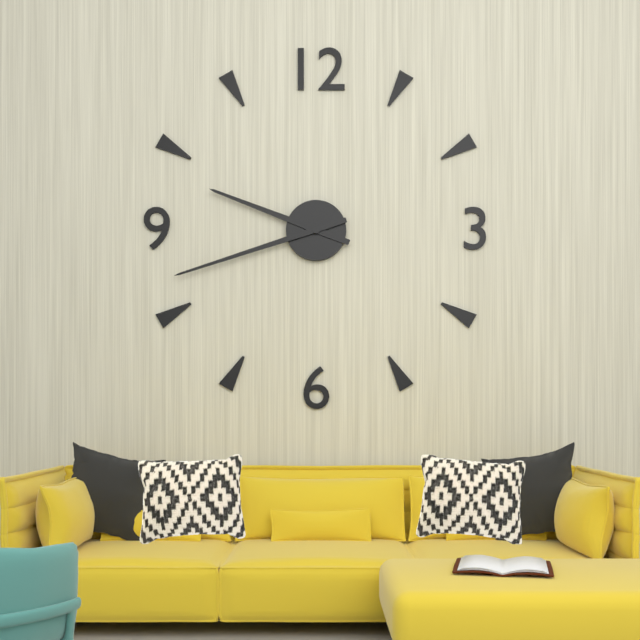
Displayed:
h=9 m=42
